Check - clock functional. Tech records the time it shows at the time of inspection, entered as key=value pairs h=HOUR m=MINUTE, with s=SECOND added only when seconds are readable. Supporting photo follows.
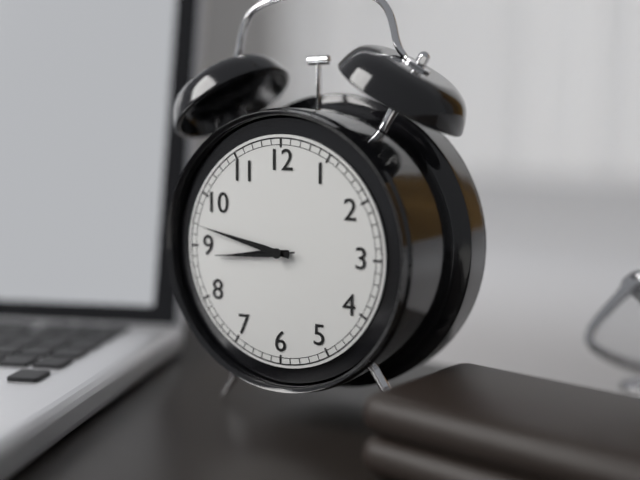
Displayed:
h=8 m=47 s=44
